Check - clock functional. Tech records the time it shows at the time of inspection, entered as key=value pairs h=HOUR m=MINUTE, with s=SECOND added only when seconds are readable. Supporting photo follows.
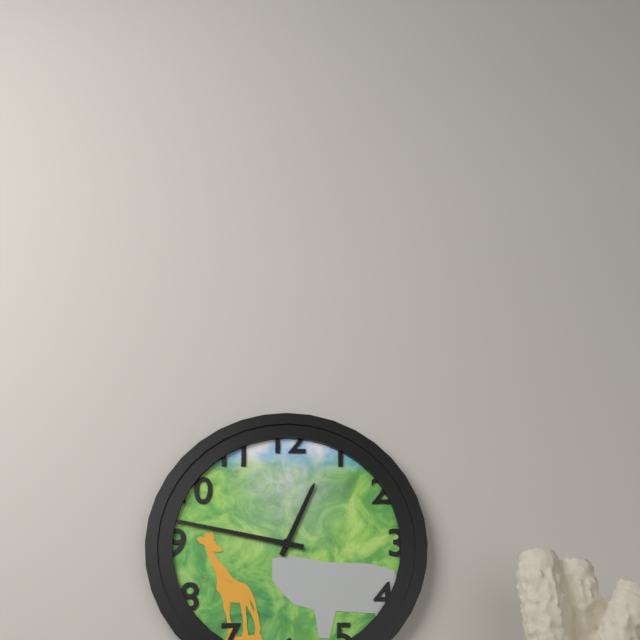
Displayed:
h=12 m=47
